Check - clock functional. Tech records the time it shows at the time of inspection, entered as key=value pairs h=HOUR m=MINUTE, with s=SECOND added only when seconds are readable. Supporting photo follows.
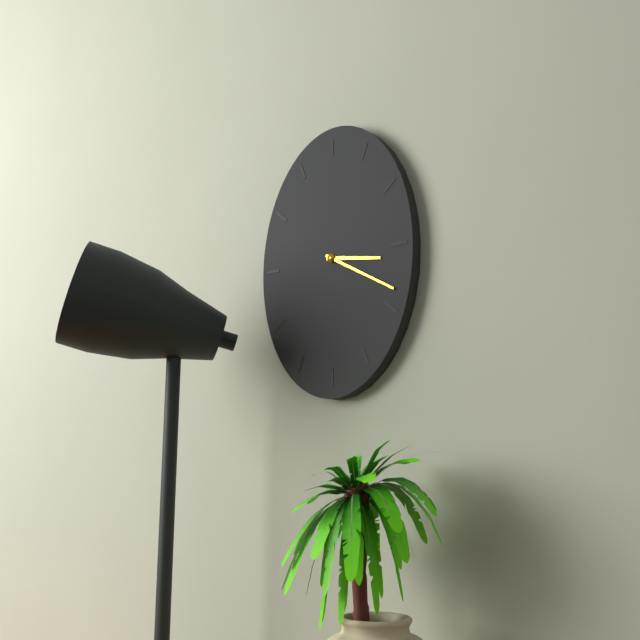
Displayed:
h=3 m=20
